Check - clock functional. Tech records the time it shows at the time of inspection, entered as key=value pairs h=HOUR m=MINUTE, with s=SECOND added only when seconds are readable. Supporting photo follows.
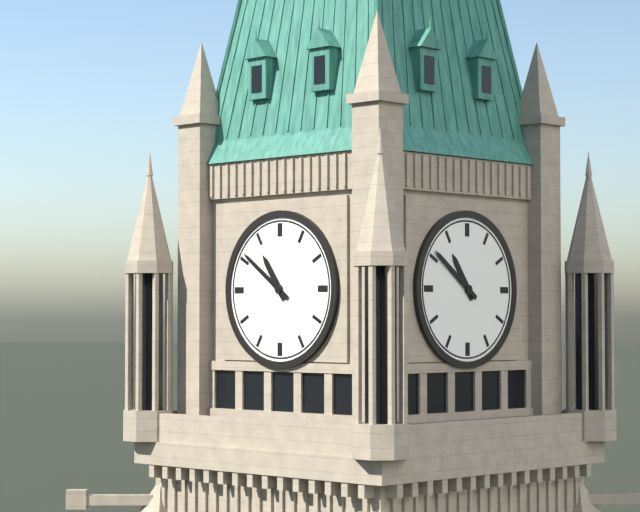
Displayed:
h=10 m=51
